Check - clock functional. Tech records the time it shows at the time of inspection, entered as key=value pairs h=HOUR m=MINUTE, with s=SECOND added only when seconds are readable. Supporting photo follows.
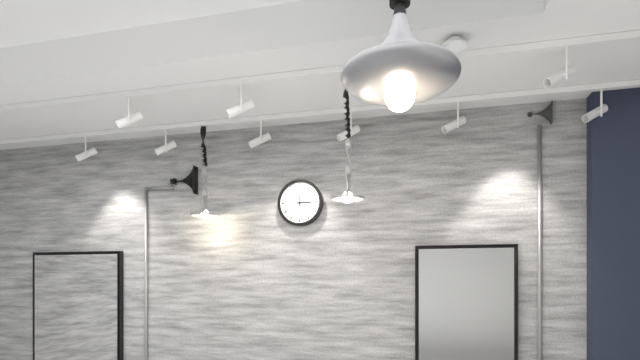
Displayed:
h=3 m=0
